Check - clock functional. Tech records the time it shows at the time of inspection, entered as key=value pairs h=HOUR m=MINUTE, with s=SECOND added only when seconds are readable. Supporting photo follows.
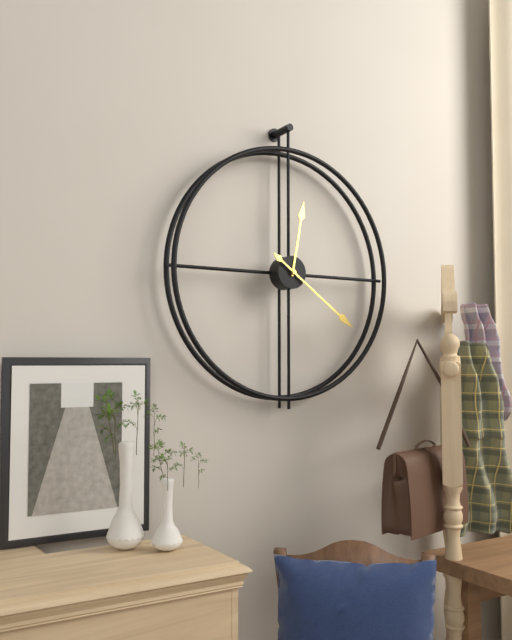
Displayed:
h=12 m=21
